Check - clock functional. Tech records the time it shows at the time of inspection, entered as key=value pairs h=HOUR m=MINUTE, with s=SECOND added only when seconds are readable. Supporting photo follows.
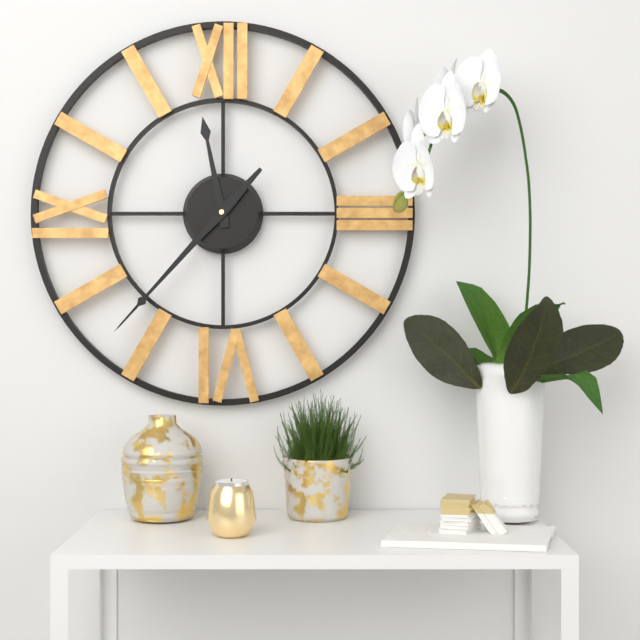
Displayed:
h=11 m=37
